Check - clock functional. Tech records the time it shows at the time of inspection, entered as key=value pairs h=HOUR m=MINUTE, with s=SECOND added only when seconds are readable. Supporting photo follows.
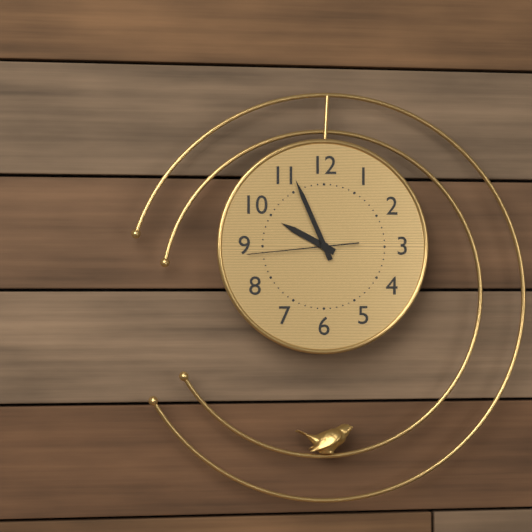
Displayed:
h=9 m=56 s=44
